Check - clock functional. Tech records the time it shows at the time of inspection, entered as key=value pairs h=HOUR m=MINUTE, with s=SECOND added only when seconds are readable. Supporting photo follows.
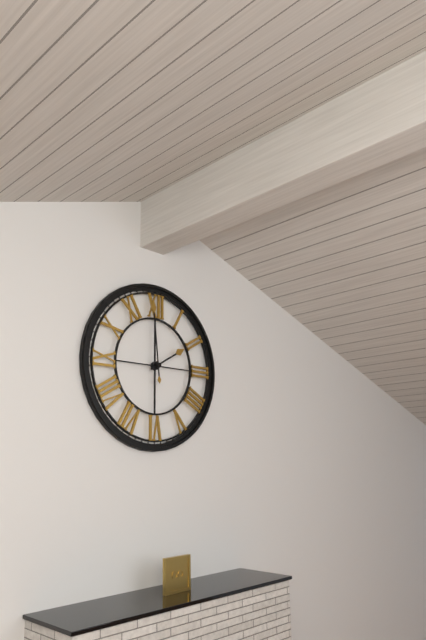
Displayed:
h=1 m=59
